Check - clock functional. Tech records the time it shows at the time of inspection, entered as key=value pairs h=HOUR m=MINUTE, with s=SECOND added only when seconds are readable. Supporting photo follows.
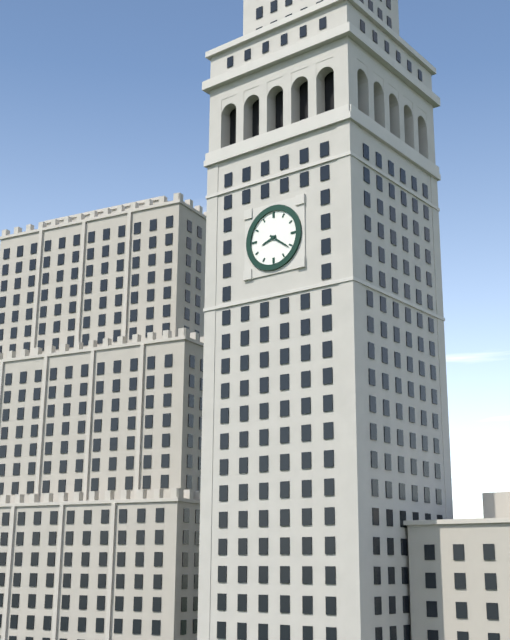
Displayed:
h=8 m=21
